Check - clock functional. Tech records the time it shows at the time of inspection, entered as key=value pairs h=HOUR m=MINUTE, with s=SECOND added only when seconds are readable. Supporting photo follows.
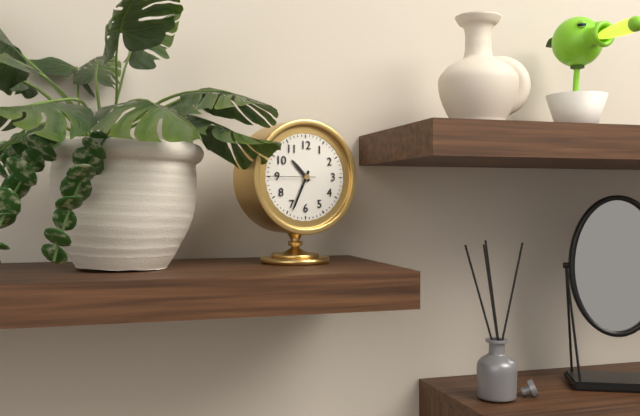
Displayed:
h=10 m=34
